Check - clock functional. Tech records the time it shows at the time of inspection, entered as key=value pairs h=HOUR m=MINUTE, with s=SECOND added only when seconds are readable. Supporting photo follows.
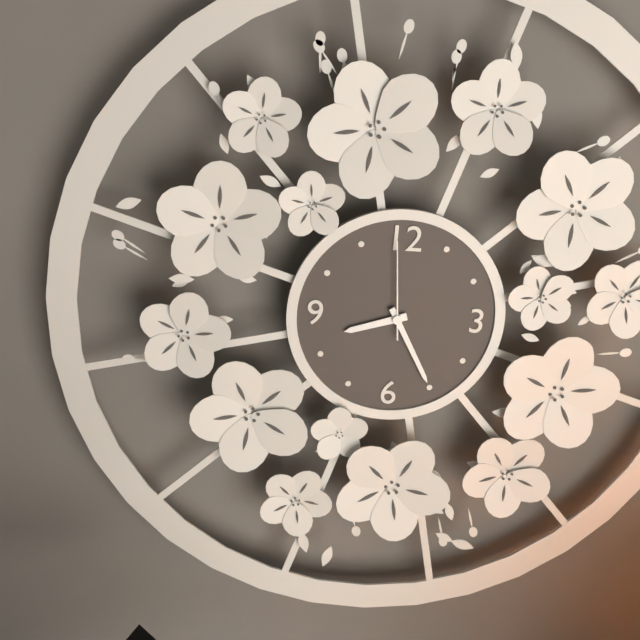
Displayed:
h=8 m=25 s=59
